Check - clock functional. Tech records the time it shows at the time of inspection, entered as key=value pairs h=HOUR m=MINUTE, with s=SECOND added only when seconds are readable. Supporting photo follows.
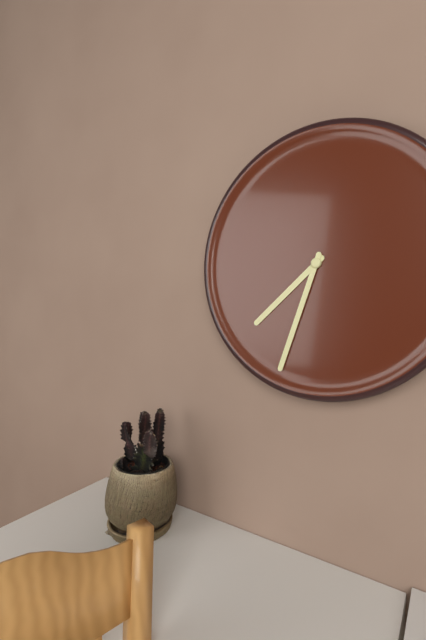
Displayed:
h=7 m=33
